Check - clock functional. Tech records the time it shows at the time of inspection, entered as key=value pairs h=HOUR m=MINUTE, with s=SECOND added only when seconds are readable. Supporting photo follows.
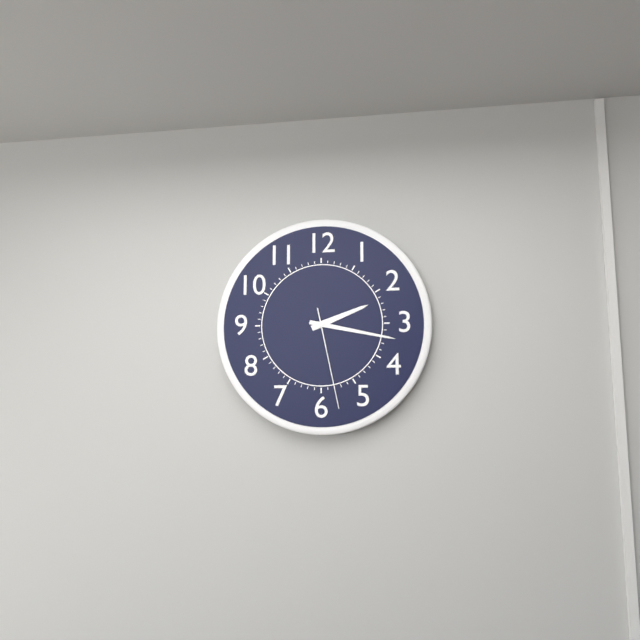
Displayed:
h=2 m=17 s=28
